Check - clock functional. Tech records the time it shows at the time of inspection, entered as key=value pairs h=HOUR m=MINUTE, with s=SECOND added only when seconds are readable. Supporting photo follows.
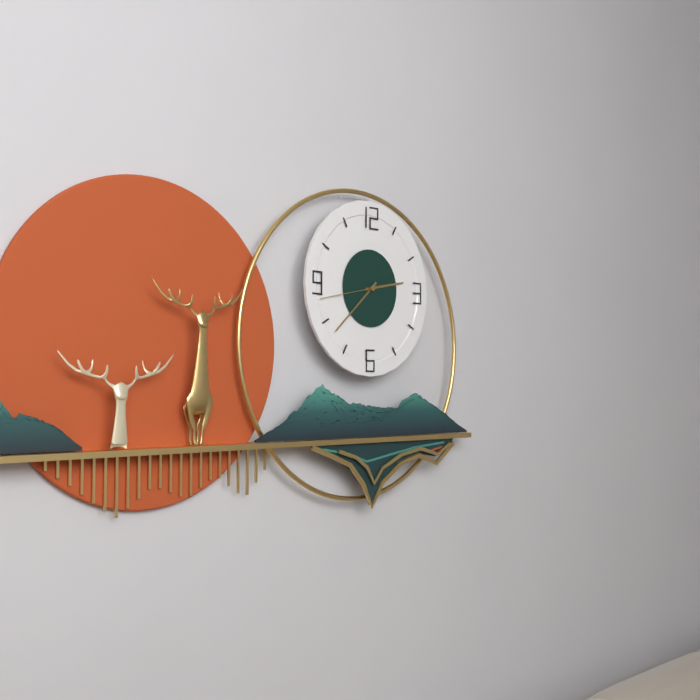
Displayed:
h=2 m=38 s=43
